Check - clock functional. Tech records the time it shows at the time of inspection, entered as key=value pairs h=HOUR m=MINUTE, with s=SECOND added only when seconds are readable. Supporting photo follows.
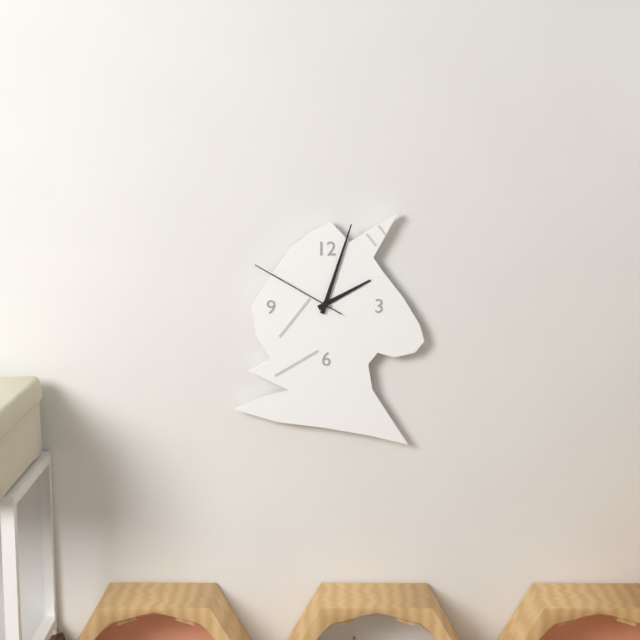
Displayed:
h=2 m=3 s=50
